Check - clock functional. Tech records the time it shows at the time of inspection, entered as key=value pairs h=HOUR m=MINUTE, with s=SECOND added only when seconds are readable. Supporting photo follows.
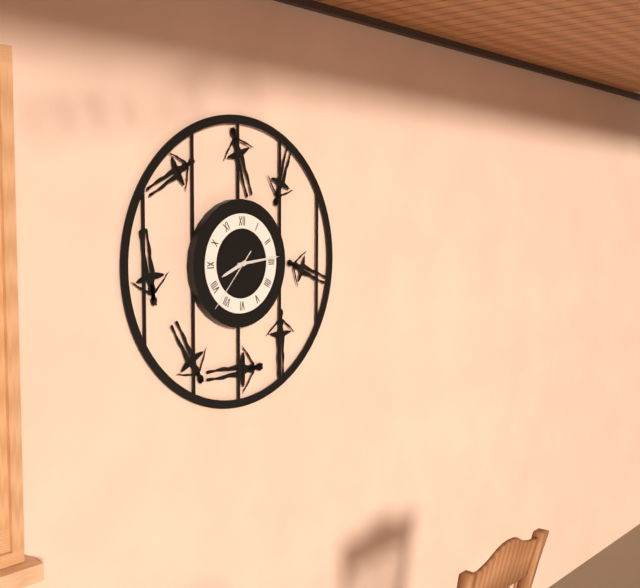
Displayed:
h=8 m=14 s=37
